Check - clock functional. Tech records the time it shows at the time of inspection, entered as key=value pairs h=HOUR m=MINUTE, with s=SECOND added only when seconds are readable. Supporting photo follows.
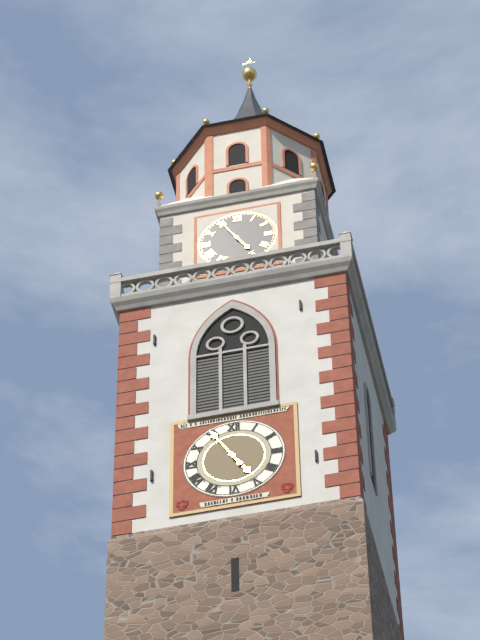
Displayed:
h=4 m=55
